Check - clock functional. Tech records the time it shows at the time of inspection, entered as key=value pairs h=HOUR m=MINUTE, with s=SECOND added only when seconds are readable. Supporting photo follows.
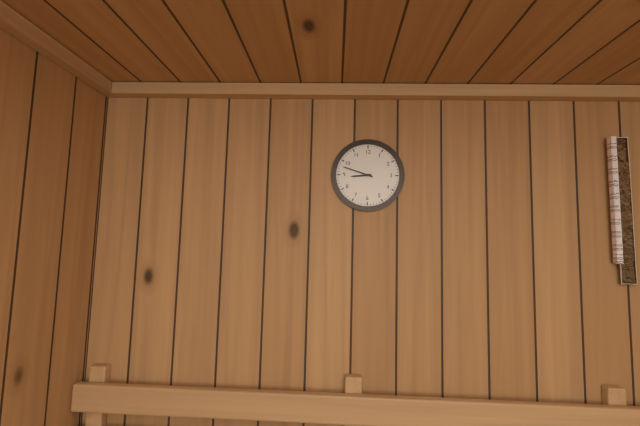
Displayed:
h=8 m=48
